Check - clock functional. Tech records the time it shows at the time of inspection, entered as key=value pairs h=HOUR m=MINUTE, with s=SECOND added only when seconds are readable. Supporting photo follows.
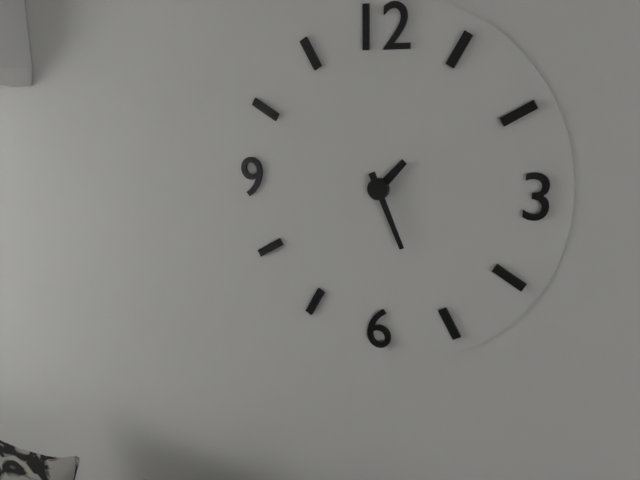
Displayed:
h=1 m=26
